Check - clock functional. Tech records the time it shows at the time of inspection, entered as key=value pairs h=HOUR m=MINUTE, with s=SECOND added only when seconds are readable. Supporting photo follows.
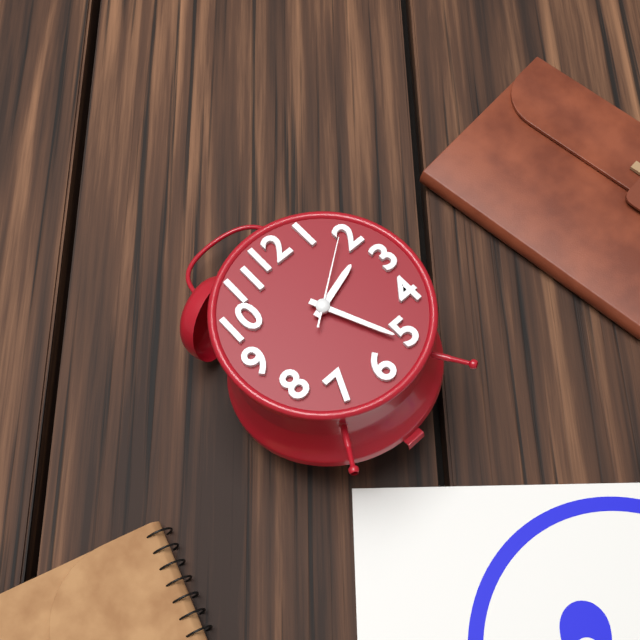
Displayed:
h=2 m=26 s=9
